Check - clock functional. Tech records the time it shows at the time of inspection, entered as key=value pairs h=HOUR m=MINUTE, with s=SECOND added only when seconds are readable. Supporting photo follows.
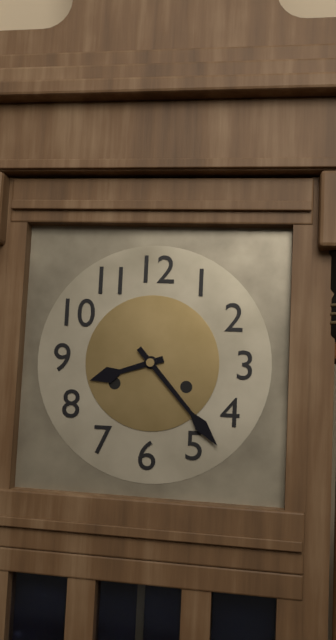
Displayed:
h=8 m=23
